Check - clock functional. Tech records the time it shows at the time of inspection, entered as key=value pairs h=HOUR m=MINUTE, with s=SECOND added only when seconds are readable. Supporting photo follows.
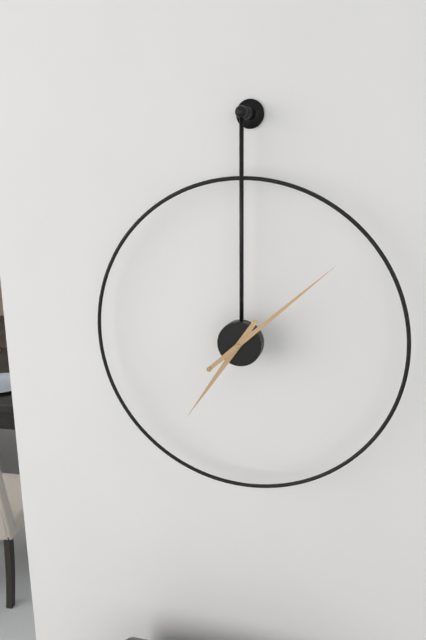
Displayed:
h=7 m=8
